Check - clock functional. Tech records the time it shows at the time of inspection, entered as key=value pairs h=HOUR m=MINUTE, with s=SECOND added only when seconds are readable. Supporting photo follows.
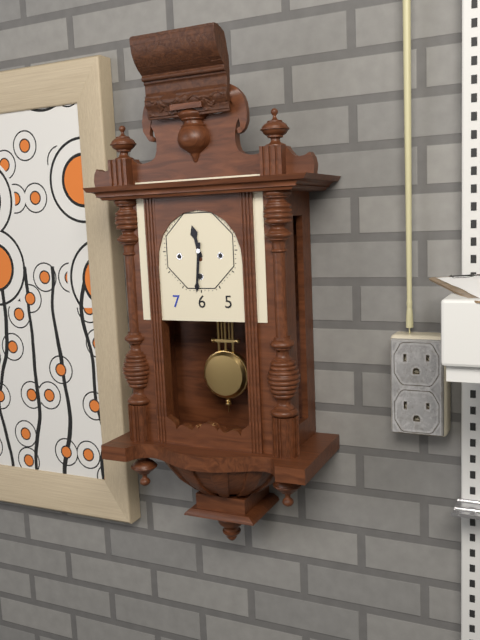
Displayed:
h=11 m=31
